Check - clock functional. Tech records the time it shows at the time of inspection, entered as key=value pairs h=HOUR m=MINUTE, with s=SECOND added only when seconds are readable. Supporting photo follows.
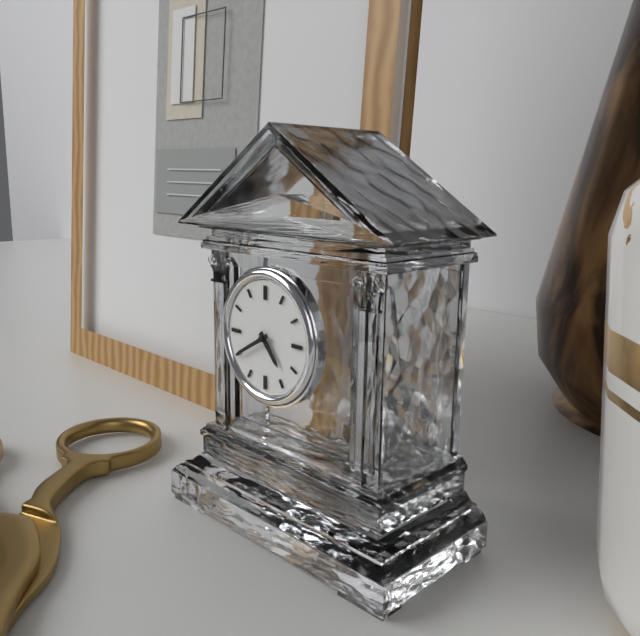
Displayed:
h=4 m=40
